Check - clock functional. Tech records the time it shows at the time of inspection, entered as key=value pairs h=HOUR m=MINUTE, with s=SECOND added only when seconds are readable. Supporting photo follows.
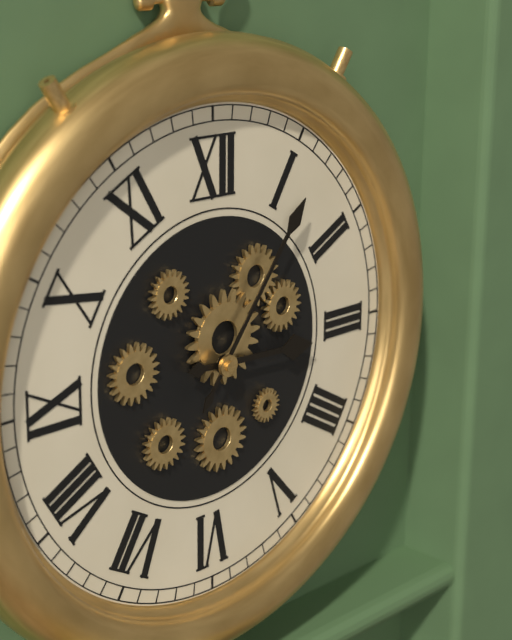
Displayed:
h=3 m=6
